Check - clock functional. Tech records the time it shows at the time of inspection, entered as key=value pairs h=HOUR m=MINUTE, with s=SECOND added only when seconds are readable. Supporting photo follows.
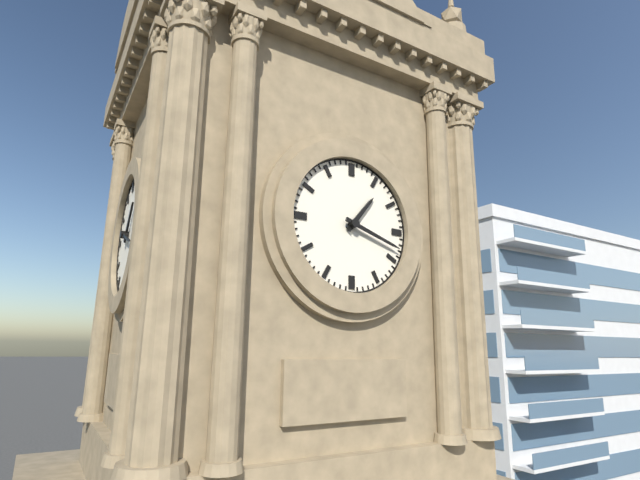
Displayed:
h=1 m=18
